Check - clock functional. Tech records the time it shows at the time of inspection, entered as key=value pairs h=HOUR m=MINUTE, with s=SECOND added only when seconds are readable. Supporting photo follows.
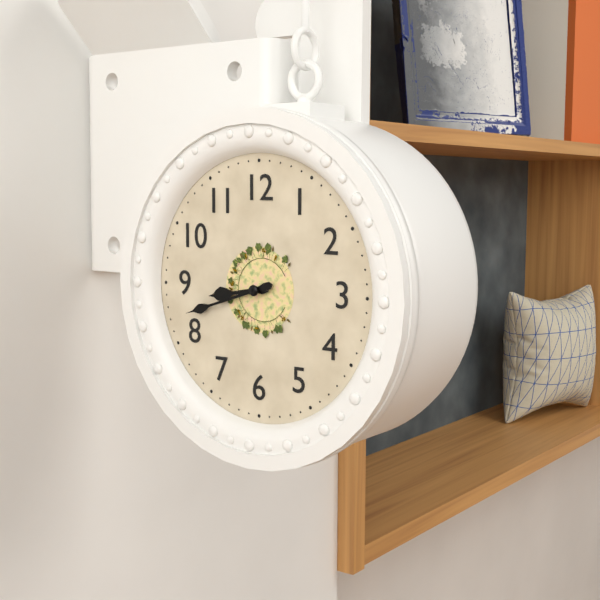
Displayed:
h=8 m=42
